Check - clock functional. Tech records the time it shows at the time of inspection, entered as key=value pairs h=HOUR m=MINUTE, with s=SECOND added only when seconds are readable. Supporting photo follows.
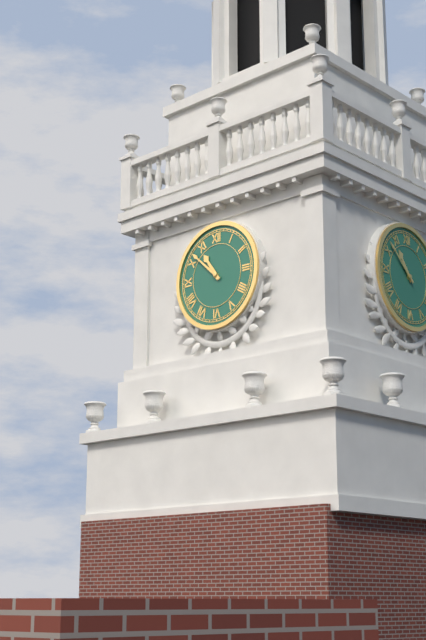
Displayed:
h=10 m=52
